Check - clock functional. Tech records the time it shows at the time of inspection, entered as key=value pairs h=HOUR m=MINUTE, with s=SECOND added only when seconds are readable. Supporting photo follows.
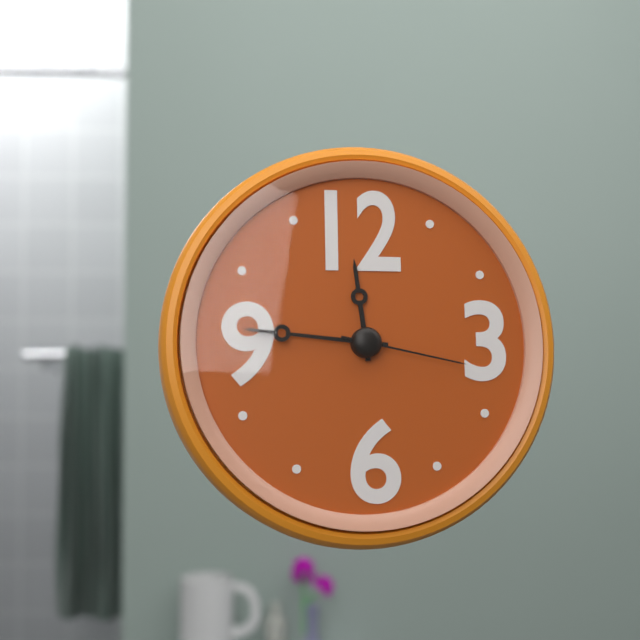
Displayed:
h=11 m=46 s=17
